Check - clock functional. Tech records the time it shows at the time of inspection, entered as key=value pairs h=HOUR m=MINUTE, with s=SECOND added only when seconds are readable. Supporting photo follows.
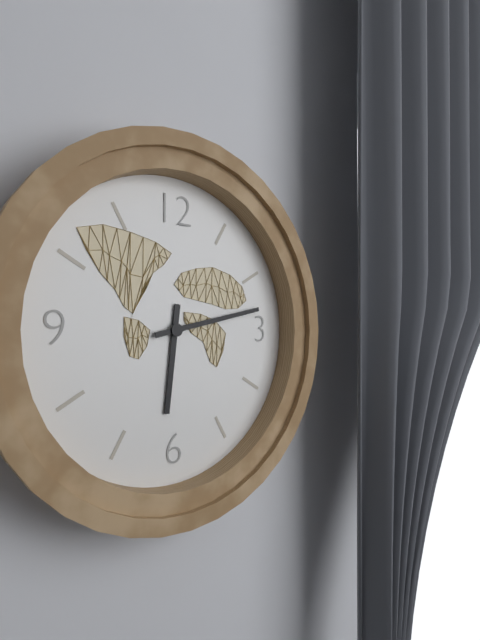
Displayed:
h=6 m=13
